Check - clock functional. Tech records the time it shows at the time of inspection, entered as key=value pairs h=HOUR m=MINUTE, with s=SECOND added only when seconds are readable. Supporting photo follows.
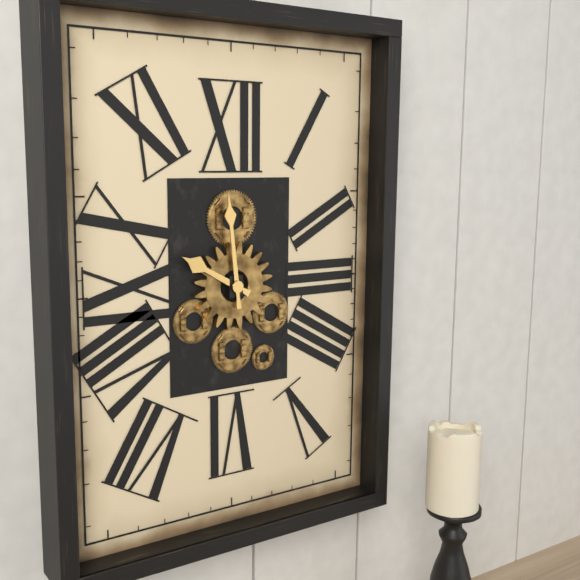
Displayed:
h=9 m=59
